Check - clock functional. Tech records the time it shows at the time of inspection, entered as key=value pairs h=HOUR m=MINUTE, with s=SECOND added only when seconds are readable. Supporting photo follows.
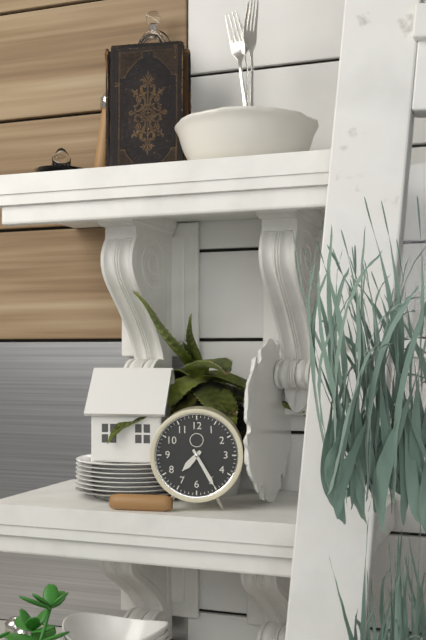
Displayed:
h=7 m=25
